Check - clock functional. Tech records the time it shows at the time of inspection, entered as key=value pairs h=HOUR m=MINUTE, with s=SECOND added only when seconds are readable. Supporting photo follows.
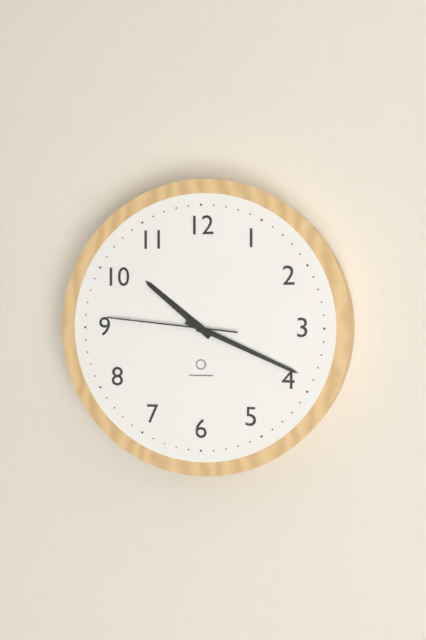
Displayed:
h=10 m=19 s=46
